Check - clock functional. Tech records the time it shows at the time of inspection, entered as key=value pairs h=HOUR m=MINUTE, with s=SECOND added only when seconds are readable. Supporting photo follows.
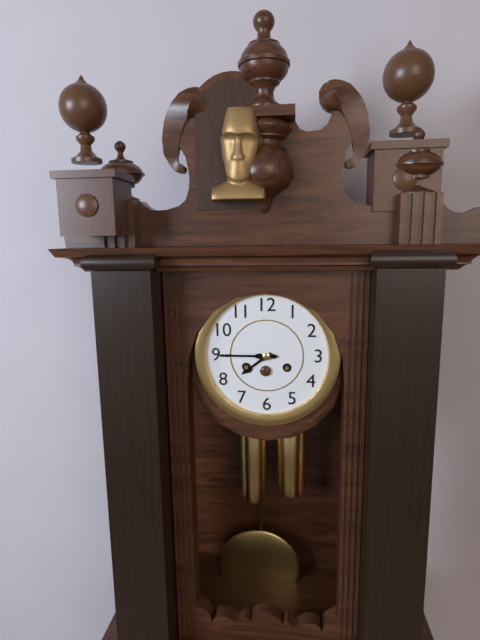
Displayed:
h=7 m=45
